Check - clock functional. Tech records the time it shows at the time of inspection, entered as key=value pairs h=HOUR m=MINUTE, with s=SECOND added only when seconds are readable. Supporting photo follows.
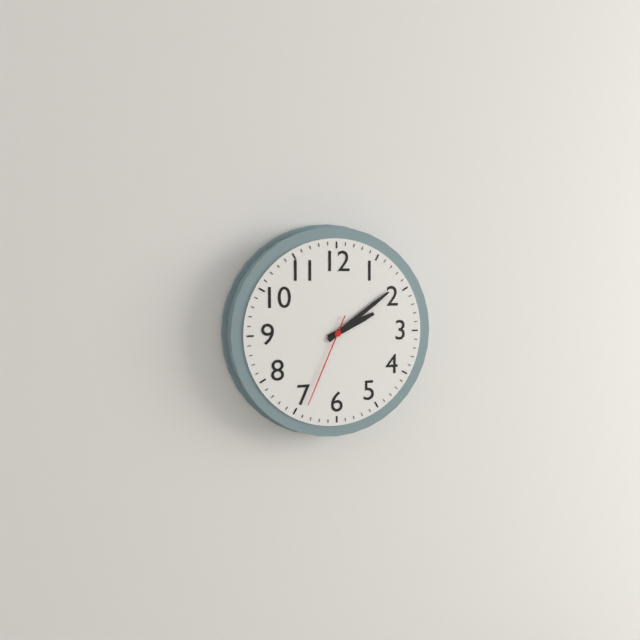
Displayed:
h=2 m=9 s=34
